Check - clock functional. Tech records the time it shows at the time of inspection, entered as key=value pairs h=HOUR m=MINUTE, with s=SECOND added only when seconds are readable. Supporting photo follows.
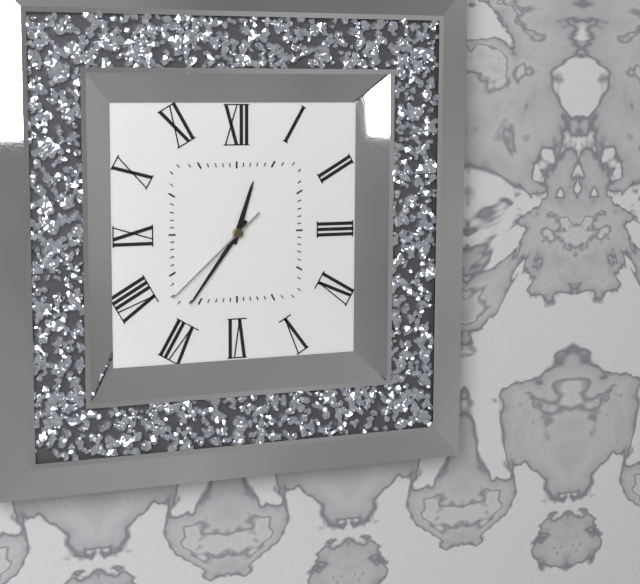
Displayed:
h=12 m=36 s=38
